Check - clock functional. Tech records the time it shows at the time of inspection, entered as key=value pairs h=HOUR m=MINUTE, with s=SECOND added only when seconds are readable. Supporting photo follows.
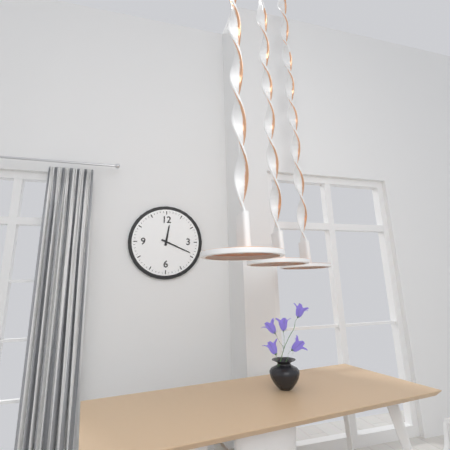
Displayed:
h=12 m=19
